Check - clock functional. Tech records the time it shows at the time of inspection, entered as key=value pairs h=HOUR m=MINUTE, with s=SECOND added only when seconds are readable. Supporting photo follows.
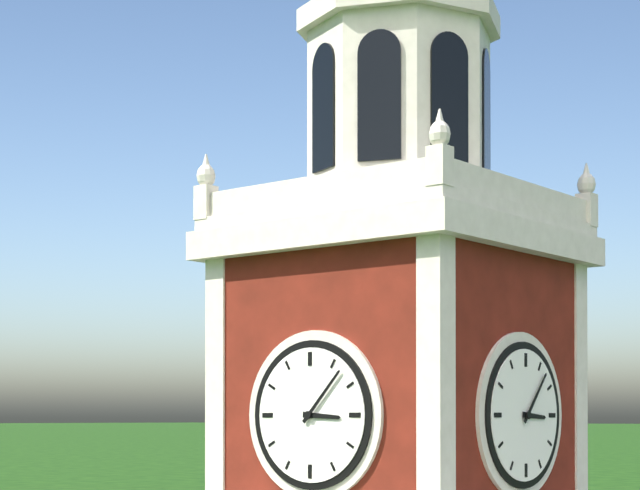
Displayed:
h=3 m=7
